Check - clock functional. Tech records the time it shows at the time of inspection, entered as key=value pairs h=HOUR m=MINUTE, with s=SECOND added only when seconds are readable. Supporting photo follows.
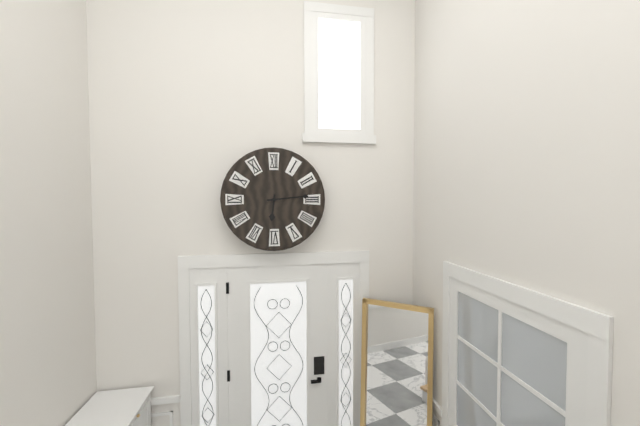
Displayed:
h=6 m=14
